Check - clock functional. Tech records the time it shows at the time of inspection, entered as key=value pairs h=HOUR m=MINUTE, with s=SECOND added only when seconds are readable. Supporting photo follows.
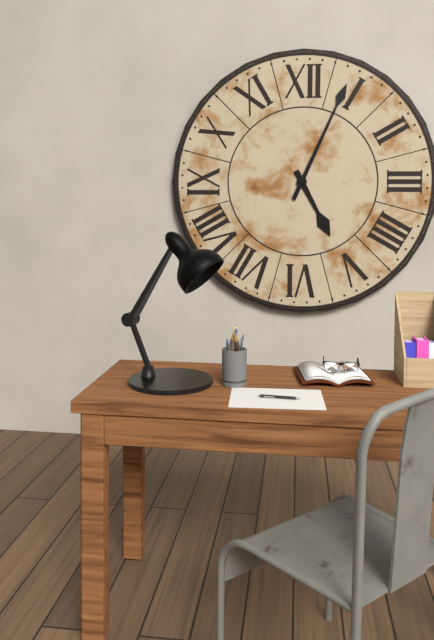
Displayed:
h=5 m=4
